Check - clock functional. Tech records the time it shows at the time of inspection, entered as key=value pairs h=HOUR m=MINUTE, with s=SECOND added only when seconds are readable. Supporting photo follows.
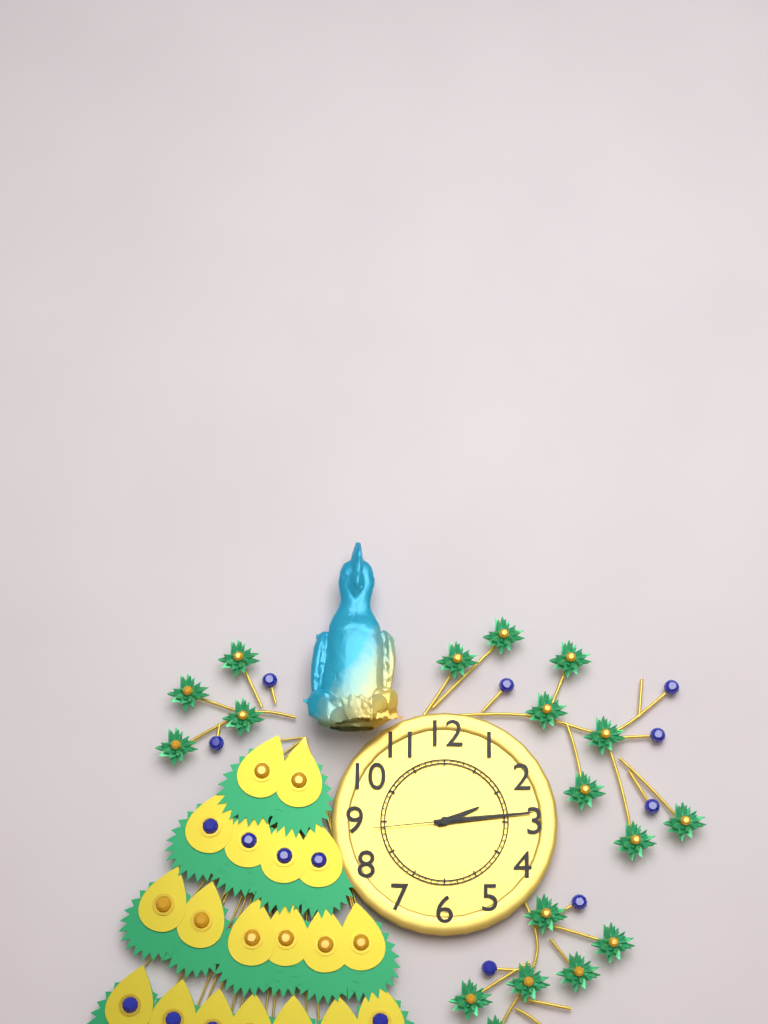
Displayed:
h=2 m=14 s=44
